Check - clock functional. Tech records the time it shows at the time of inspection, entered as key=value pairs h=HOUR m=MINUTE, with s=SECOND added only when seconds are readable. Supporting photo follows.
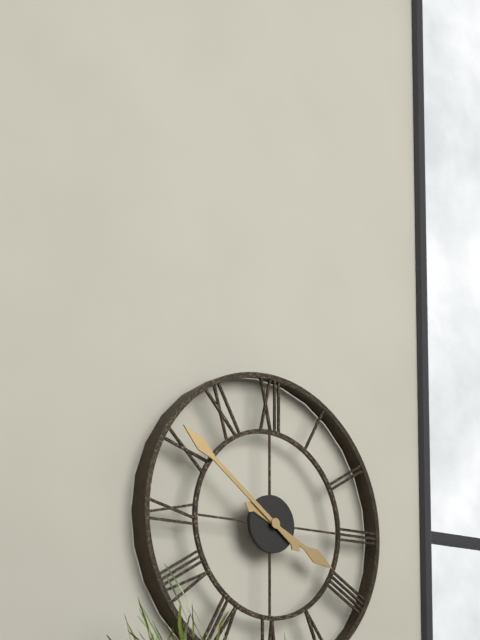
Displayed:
h=3 m=51
